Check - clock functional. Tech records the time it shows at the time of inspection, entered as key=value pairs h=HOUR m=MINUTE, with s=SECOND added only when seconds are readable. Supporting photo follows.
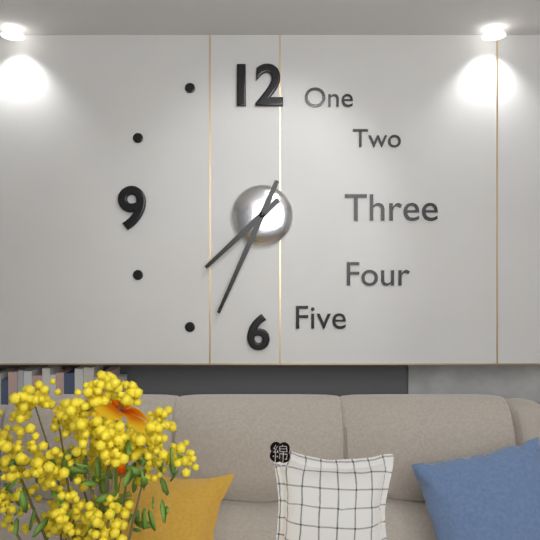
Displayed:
h=7 m=34
